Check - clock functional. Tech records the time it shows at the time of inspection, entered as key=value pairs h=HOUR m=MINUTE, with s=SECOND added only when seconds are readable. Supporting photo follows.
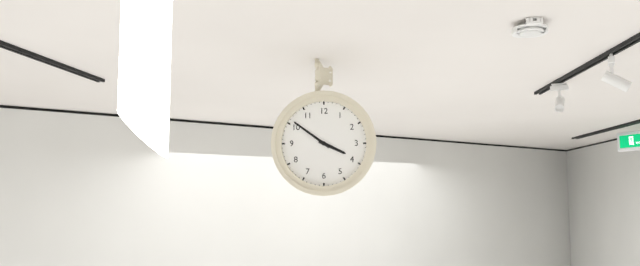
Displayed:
h=3 m=51
